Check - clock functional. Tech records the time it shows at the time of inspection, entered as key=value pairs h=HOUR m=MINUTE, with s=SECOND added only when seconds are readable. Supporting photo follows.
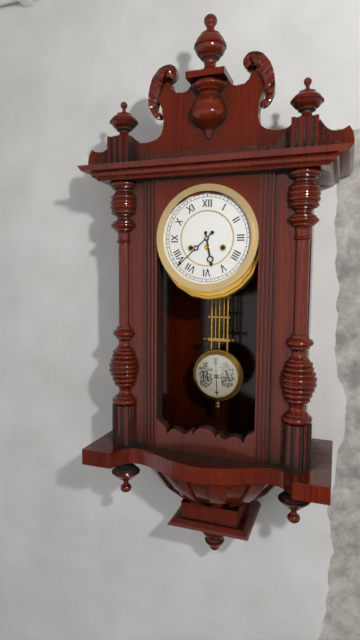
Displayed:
h=5 m=38
